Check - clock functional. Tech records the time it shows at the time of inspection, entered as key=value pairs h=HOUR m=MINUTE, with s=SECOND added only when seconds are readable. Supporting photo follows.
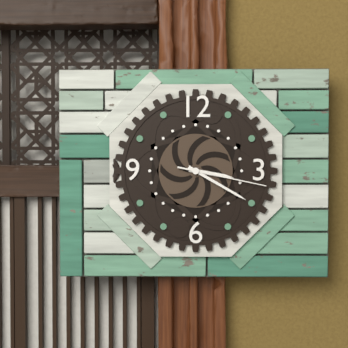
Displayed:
h=3 m=20 s=17
